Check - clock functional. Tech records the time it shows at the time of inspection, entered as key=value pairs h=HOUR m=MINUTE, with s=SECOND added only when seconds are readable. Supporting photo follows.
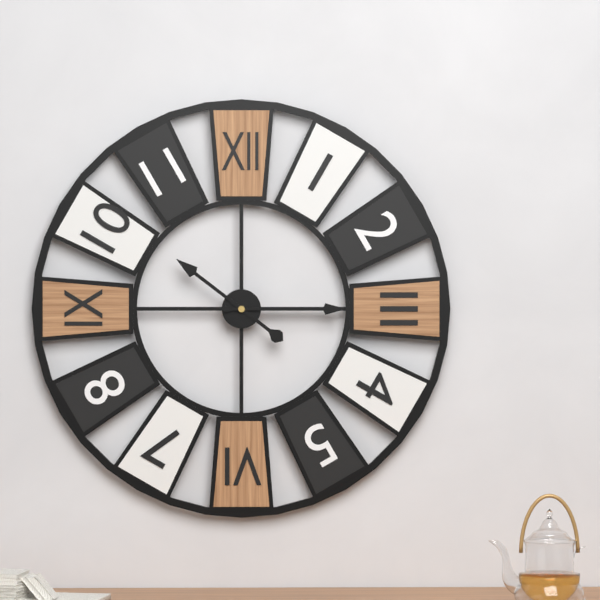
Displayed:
h=10 m=15
